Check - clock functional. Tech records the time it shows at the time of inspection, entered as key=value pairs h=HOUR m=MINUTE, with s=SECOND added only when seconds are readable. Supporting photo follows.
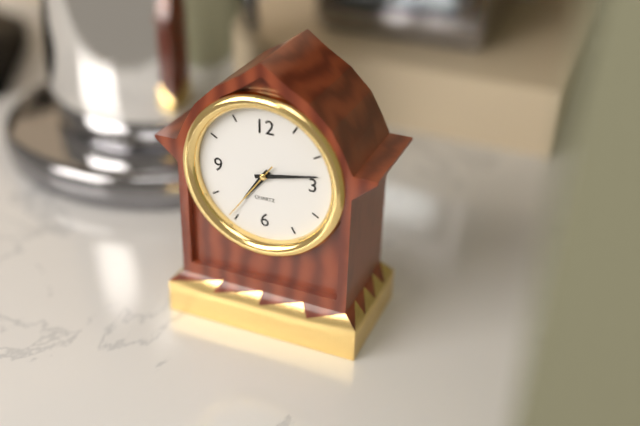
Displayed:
h=7 m=13 s=36
